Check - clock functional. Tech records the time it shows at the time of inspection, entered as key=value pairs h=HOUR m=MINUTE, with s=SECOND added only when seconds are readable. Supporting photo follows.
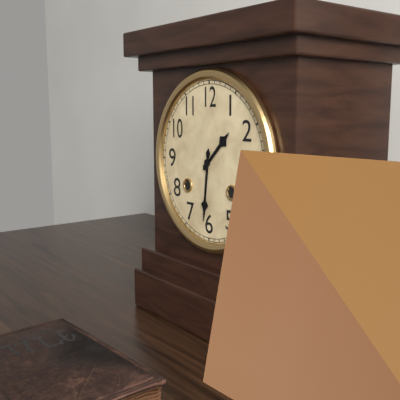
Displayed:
h=1 m=31
